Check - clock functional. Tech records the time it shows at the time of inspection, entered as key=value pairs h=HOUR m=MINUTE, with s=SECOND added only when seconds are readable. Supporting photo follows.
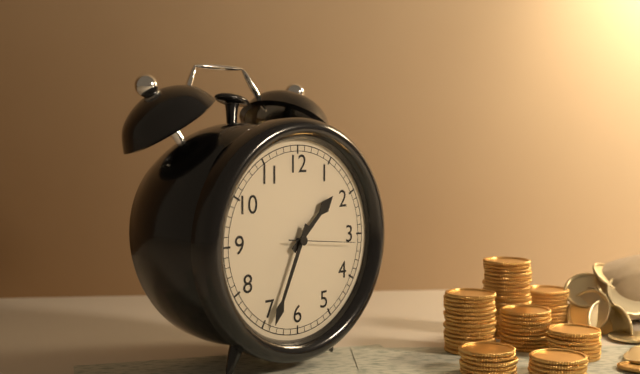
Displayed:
h=1 m=34 s=16
